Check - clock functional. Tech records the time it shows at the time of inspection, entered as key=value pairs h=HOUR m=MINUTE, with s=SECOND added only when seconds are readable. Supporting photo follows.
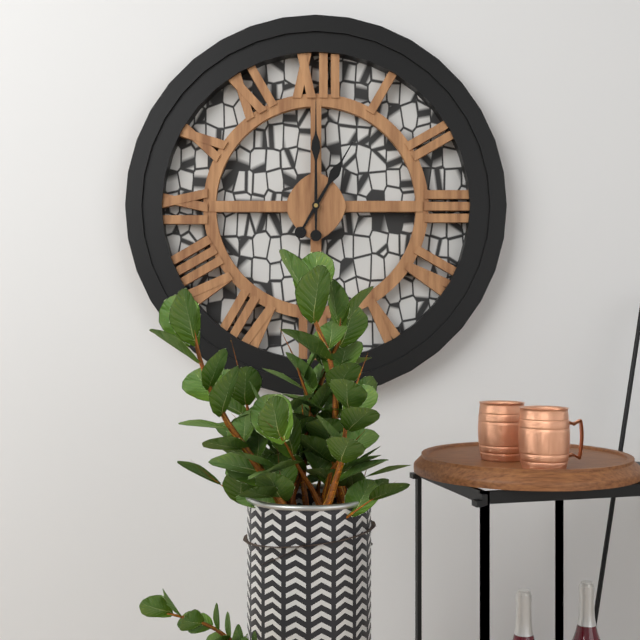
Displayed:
h=1 m=0
